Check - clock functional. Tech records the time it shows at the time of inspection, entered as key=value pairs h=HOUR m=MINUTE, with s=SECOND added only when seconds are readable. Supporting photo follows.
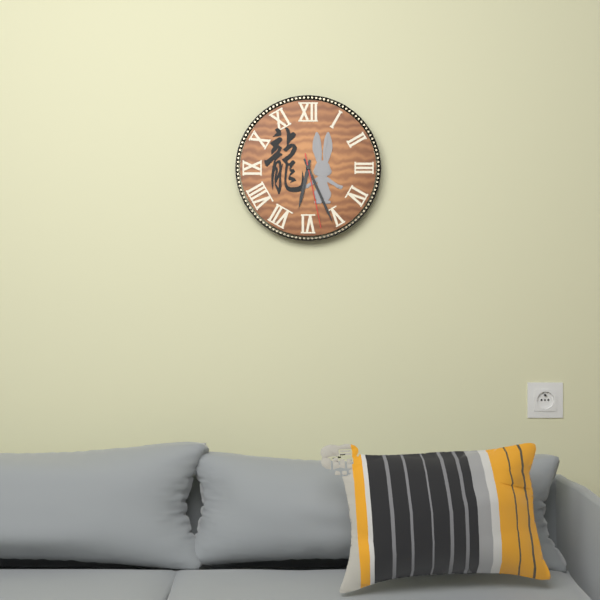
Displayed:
h=6 m=26 s=28
